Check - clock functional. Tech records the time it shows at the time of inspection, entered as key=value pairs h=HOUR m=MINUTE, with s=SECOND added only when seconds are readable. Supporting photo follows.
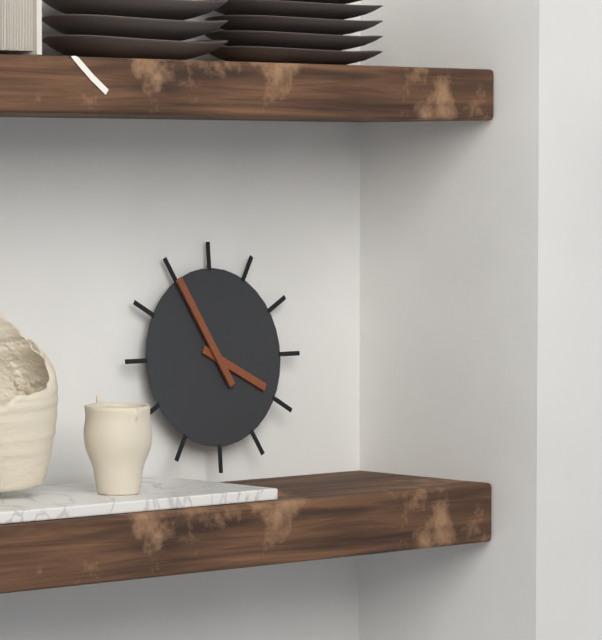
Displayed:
h=3 m=55
